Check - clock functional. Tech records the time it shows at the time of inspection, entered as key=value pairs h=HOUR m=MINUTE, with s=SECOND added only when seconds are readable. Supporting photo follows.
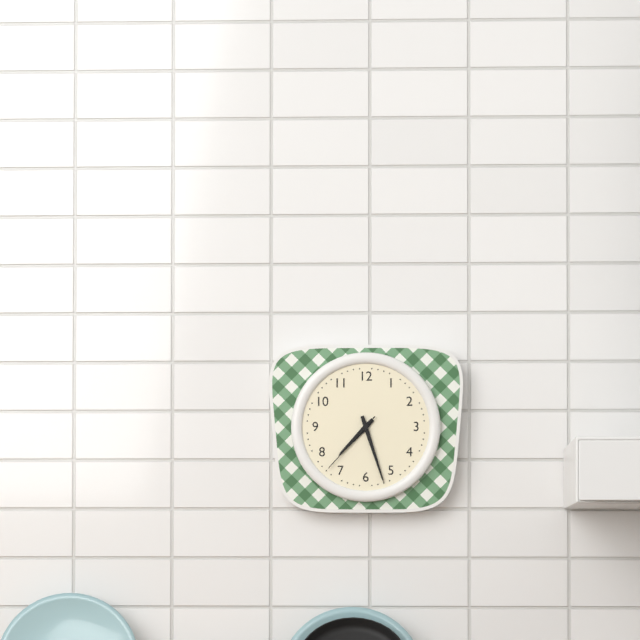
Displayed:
h=7 m=27 s=37
